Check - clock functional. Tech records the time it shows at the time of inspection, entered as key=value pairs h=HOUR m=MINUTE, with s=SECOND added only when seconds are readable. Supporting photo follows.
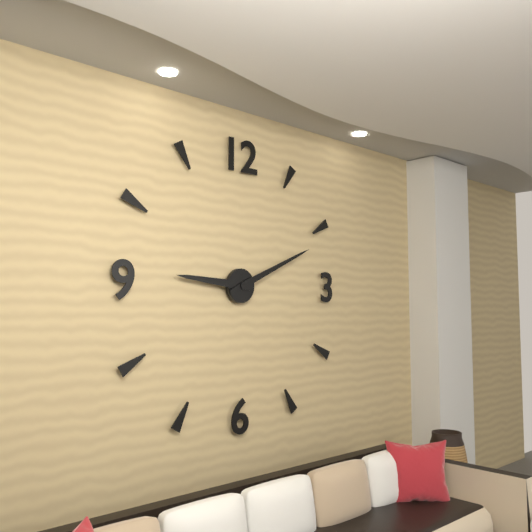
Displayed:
h=9 m=11
